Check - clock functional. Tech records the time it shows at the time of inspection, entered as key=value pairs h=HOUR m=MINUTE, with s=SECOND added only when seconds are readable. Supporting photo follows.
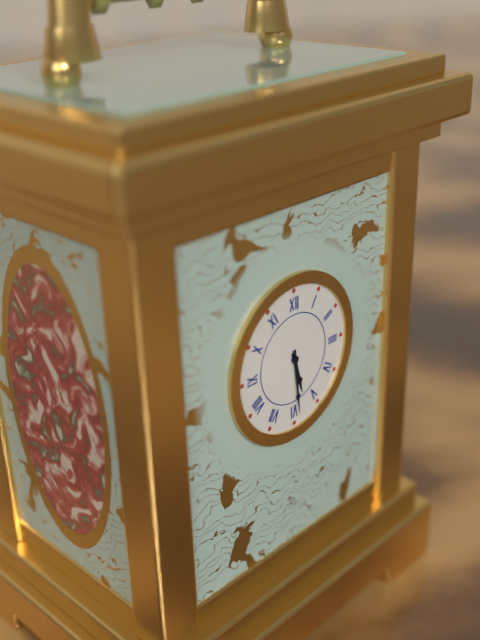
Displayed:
h=5 m=29
